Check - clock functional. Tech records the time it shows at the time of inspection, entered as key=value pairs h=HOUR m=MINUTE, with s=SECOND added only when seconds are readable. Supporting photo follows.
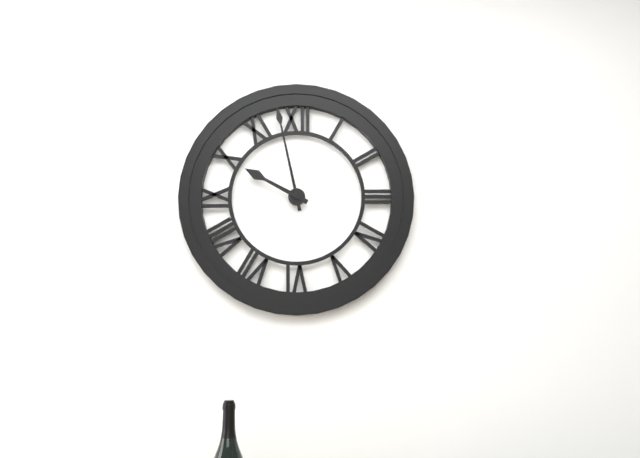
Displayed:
h=9 m=58
